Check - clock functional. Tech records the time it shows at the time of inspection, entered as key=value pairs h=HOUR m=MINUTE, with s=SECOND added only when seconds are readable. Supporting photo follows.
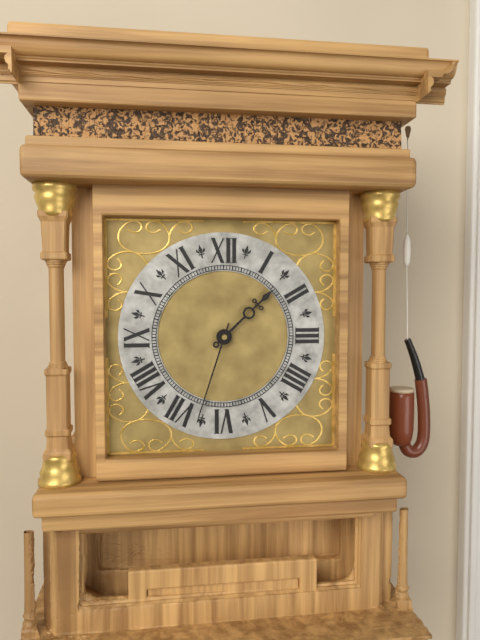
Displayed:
h=1 m=33
